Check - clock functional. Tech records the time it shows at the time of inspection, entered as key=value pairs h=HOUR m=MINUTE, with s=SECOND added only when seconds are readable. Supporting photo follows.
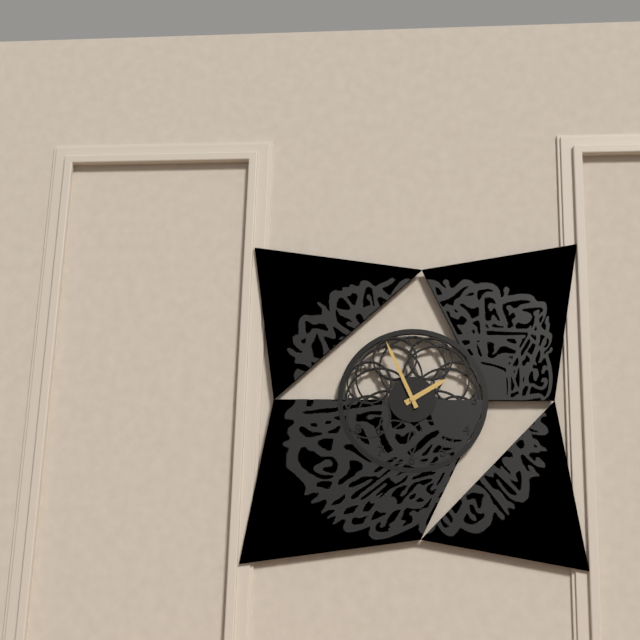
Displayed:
h=1 m=56
